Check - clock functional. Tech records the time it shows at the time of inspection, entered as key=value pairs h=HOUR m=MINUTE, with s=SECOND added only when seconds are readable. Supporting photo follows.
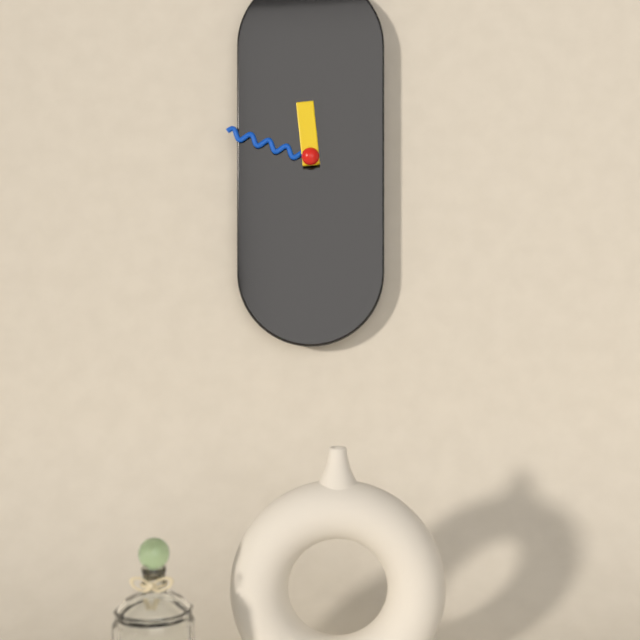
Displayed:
h=11 m=48
